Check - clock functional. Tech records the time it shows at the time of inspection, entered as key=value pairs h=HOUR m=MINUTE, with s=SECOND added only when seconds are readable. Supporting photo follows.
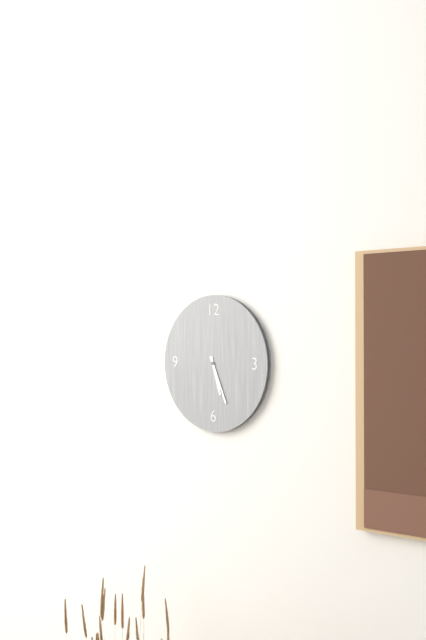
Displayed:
h=5 m=26
